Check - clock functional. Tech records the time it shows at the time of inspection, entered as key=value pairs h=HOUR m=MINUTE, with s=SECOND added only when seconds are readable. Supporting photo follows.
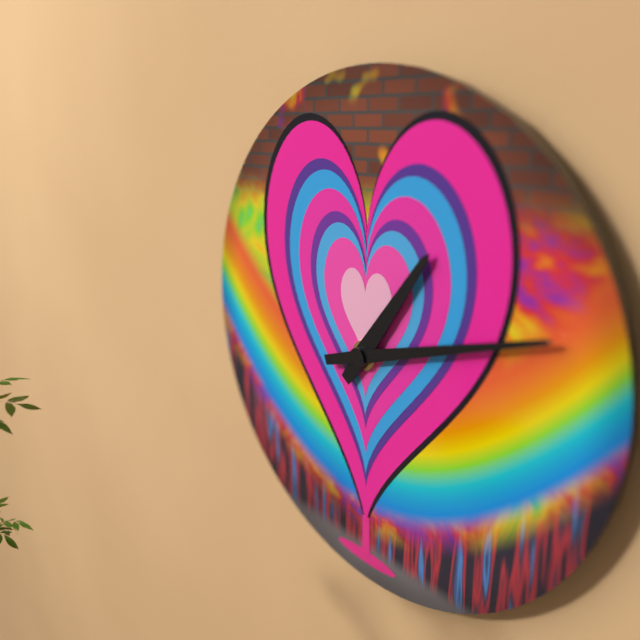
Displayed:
h=1 m=12
